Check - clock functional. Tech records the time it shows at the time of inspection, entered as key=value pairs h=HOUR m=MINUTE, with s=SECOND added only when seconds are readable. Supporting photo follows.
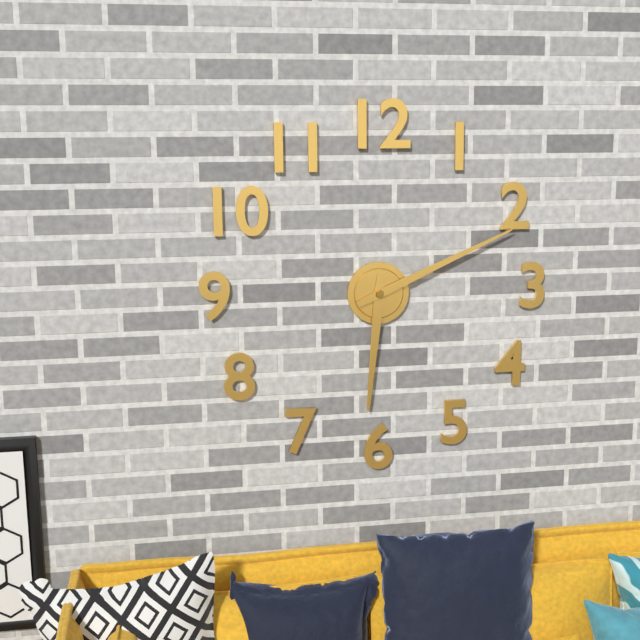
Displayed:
h=6 m=11
